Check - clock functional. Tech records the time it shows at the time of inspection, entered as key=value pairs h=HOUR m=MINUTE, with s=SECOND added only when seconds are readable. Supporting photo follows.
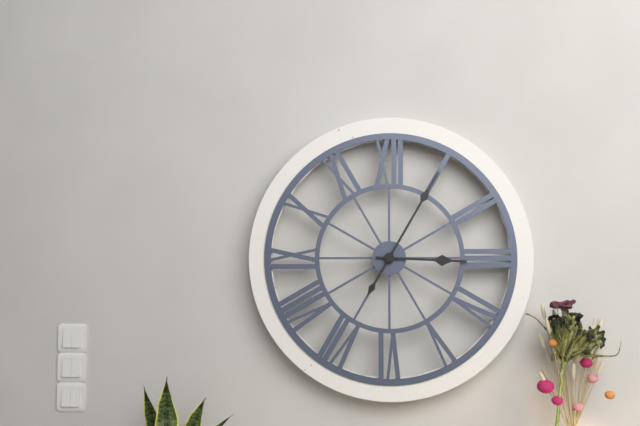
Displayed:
h=3 m=5
